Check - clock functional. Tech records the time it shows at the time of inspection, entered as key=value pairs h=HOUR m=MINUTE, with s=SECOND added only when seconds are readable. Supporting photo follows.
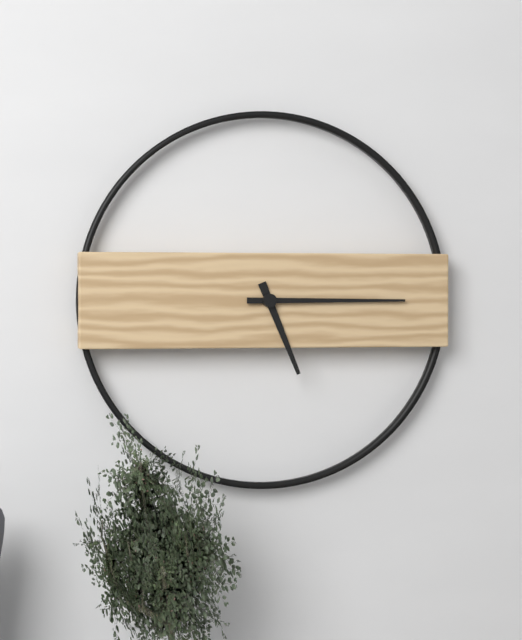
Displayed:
h=5 m=15
